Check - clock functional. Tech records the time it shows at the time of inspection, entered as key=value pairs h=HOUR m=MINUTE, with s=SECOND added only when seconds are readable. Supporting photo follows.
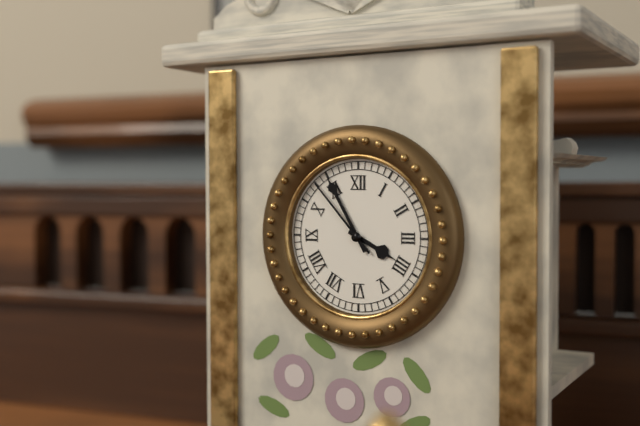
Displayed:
h=3 m=55 s=53
